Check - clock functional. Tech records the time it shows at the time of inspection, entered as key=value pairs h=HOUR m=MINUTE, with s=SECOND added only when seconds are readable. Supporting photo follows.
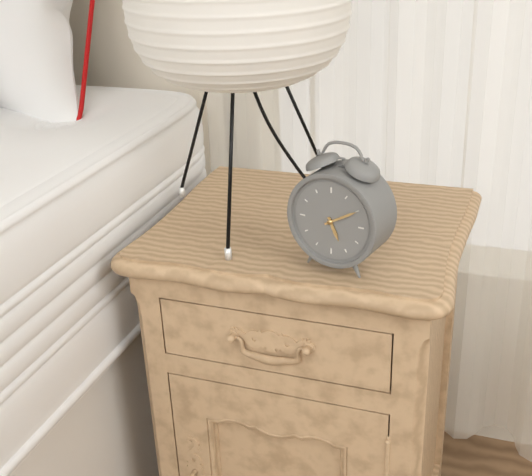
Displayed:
h=5 m=10
